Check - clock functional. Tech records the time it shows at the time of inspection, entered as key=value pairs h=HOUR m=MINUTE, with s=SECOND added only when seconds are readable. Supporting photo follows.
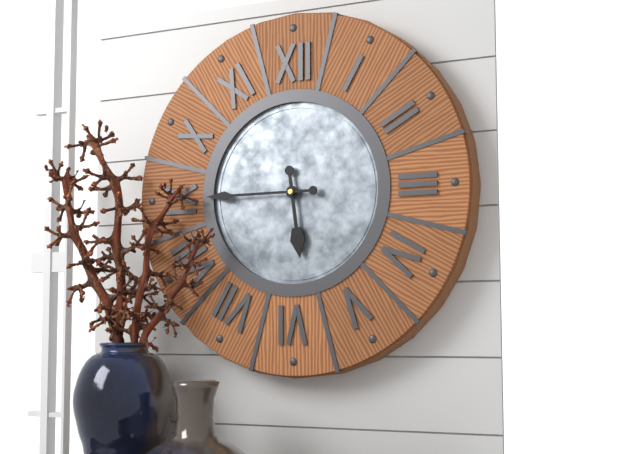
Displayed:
h=5 m=45
